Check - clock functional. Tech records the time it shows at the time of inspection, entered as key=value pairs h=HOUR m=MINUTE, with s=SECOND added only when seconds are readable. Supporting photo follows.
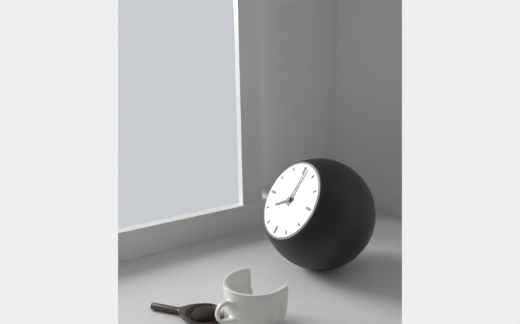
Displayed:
h=8 m=1
